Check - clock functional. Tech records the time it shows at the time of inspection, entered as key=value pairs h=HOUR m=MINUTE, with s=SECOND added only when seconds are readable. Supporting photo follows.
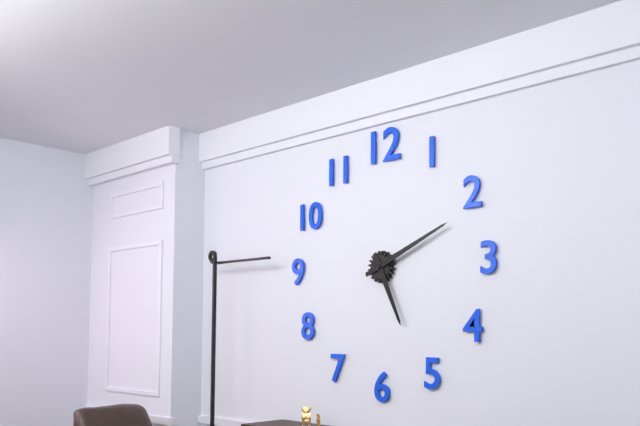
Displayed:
h=5 m=11
